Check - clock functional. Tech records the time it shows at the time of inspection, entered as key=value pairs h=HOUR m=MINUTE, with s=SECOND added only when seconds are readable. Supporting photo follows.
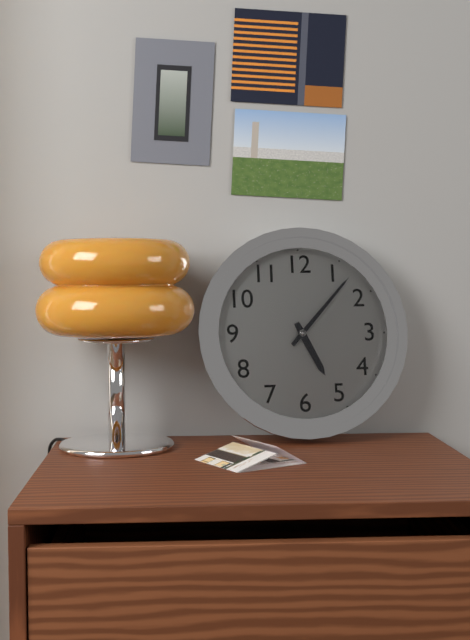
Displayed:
h=5 m=7
